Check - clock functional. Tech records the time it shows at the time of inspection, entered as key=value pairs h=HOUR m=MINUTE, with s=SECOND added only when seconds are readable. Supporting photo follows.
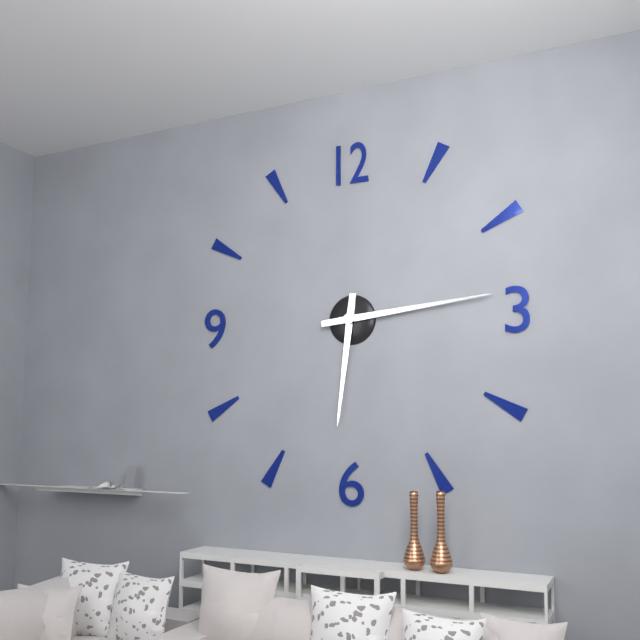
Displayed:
h=6 m=14
